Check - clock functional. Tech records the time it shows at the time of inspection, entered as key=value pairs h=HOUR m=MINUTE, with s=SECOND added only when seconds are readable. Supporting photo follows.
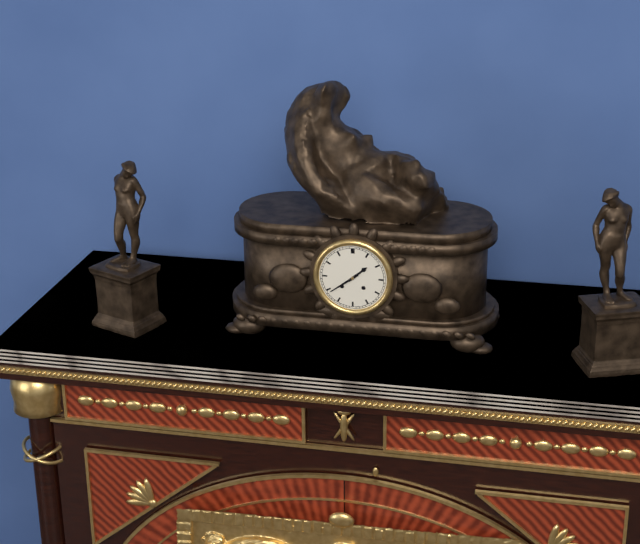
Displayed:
h=1 m=39
